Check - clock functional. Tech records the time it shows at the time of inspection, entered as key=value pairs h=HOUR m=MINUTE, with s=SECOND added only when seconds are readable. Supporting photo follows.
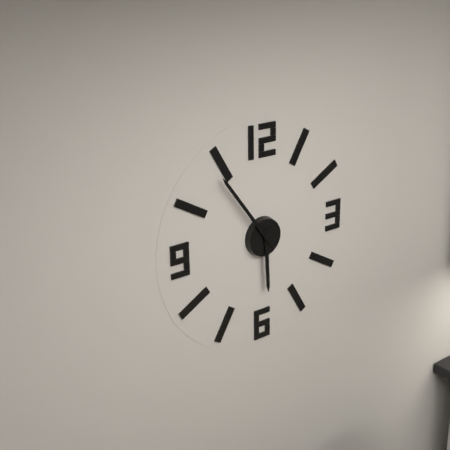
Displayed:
h=5 m=54
